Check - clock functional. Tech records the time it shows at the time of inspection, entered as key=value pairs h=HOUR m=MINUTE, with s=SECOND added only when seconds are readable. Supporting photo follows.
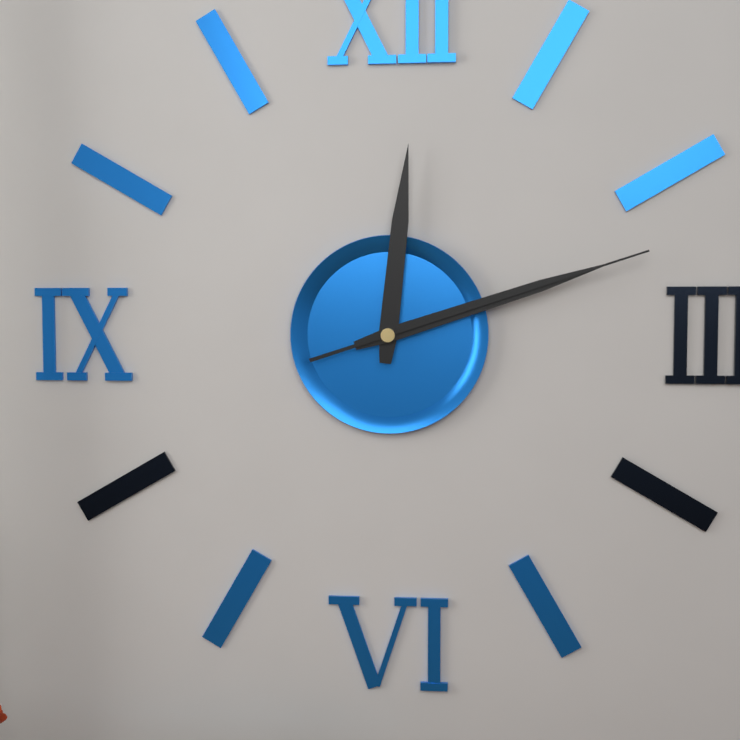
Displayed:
h=12 m=12 s=12
